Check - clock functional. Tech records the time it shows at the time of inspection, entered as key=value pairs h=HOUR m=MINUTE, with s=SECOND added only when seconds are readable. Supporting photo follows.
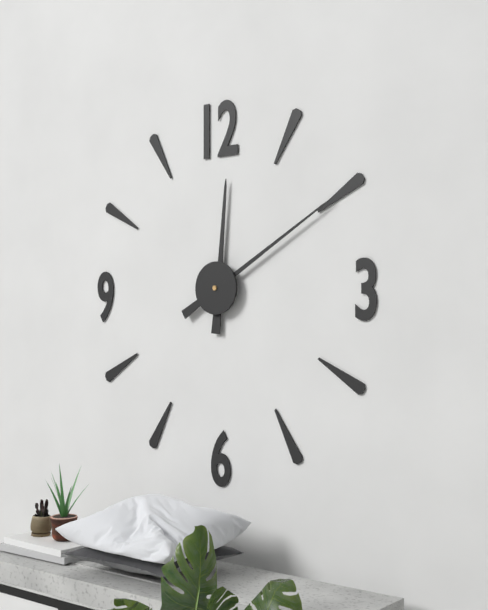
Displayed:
h=12 m=10
